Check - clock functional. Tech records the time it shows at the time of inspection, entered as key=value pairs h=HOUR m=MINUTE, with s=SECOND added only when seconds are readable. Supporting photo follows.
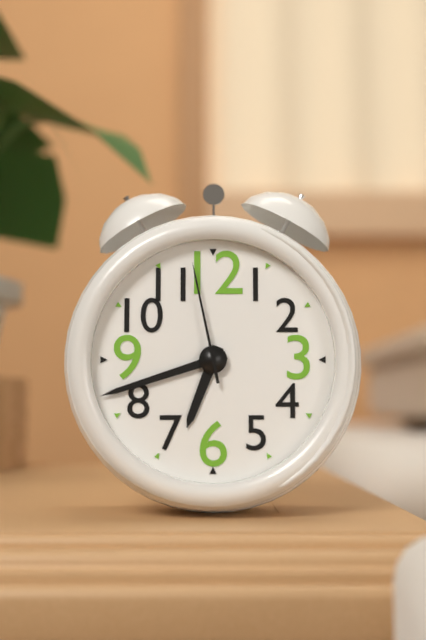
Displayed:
h=6 m=42 s=58
